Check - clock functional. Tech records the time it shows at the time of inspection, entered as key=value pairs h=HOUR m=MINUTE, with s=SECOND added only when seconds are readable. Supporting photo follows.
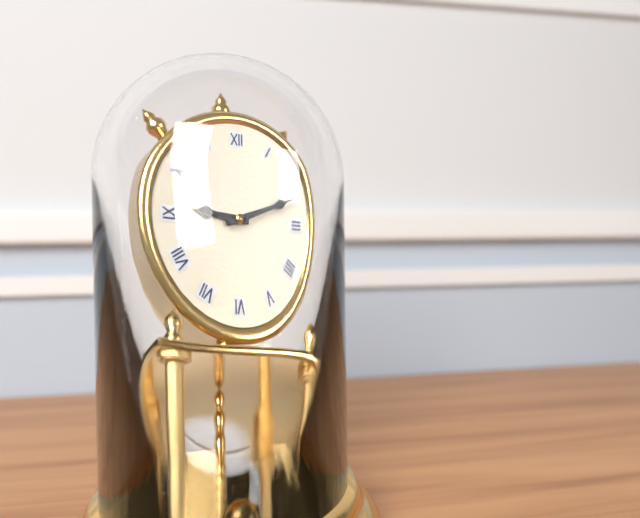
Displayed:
h=9 m=12
